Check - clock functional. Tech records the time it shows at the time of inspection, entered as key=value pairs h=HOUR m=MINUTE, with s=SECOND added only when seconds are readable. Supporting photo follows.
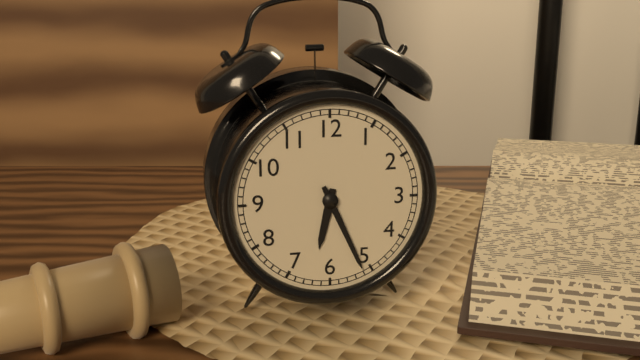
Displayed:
h=6 m=26
